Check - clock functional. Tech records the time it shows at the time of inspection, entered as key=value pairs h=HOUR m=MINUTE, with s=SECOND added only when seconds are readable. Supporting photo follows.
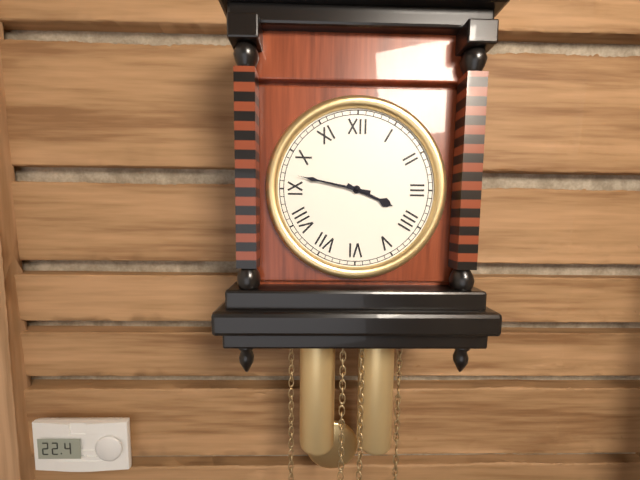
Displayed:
h=3 m=47
